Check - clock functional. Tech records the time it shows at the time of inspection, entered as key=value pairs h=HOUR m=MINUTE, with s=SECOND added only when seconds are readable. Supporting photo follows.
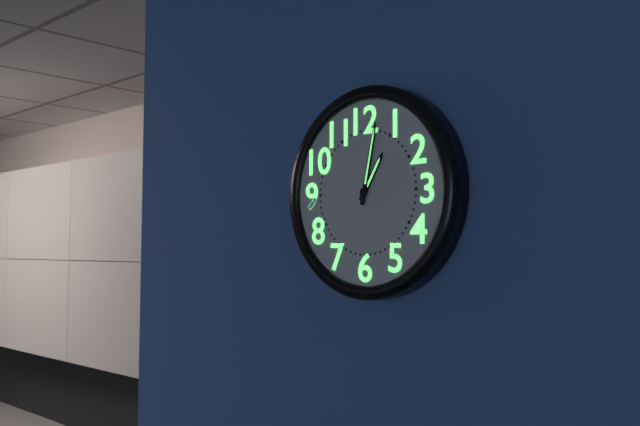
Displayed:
h=1 m=2
